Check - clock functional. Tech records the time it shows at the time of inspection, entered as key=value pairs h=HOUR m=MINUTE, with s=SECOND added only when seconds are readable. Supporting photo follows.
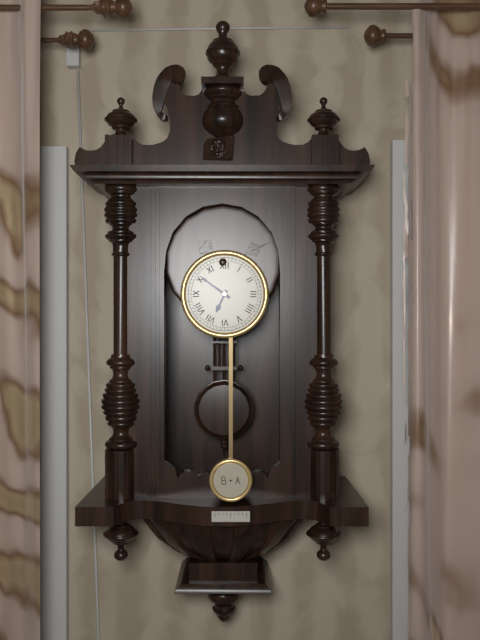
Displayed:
h=6 m=51
